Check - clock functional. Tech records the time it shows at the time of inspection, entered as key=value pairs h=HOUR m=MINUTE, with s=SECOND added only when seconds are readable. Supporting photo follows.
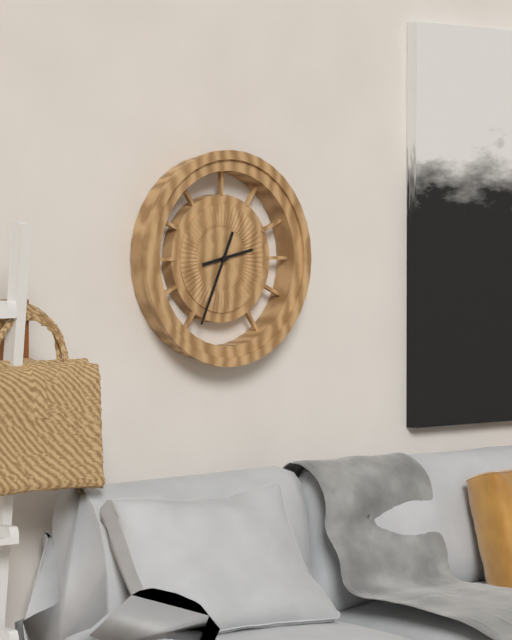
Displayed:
h=2 m=34
